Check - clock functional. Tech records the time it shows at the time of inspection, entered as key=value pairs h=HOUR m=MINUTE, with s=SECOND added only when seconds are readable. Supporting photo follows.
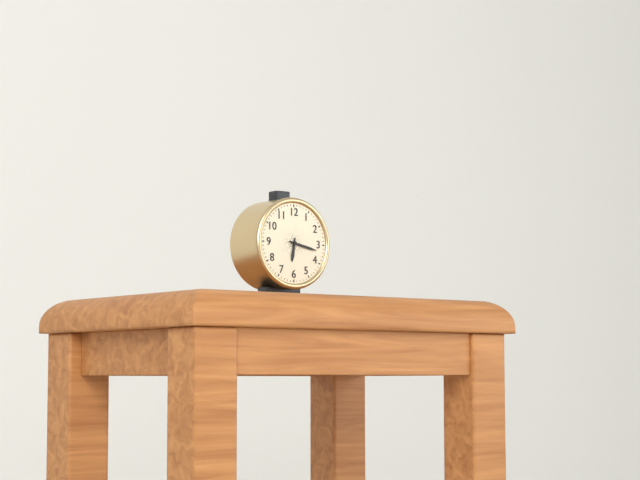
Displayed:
h=6 m=17
